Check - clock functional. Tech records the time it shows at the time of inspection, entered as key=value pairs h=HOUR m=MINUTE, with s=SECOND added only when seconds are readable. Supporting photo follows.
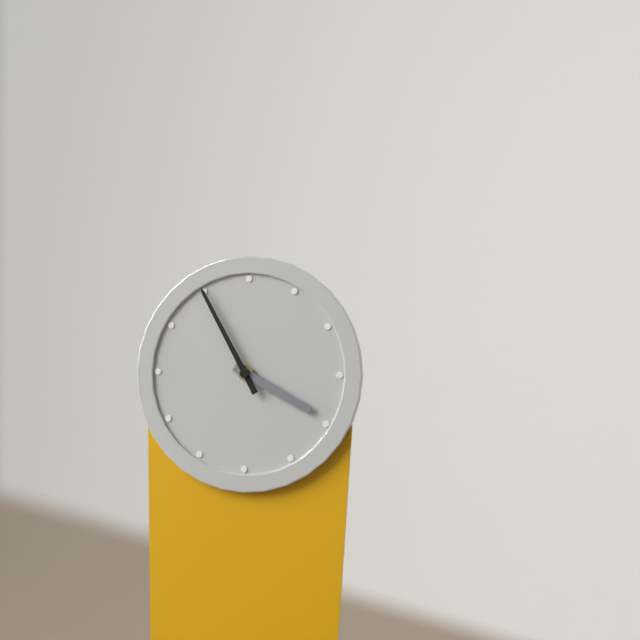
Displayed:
h=3 m=55
